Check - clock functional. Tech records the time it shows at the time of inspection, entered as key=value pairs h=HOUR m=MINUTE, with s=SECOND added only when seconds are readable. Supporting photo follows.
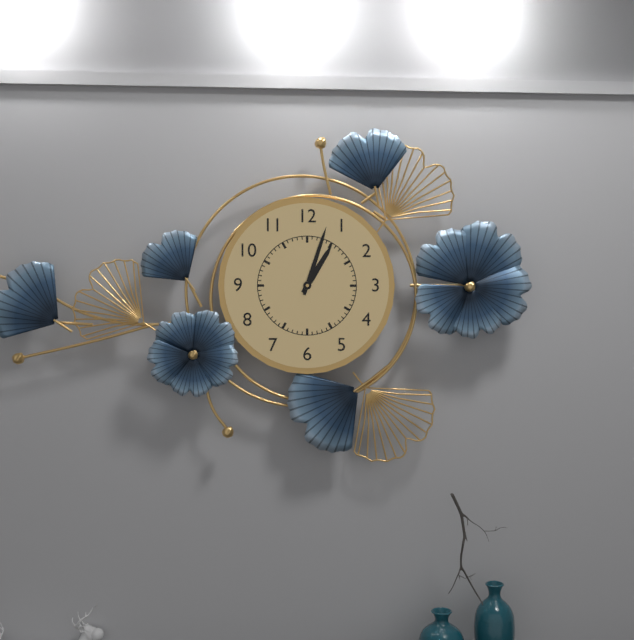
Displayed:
h=1 m=3
